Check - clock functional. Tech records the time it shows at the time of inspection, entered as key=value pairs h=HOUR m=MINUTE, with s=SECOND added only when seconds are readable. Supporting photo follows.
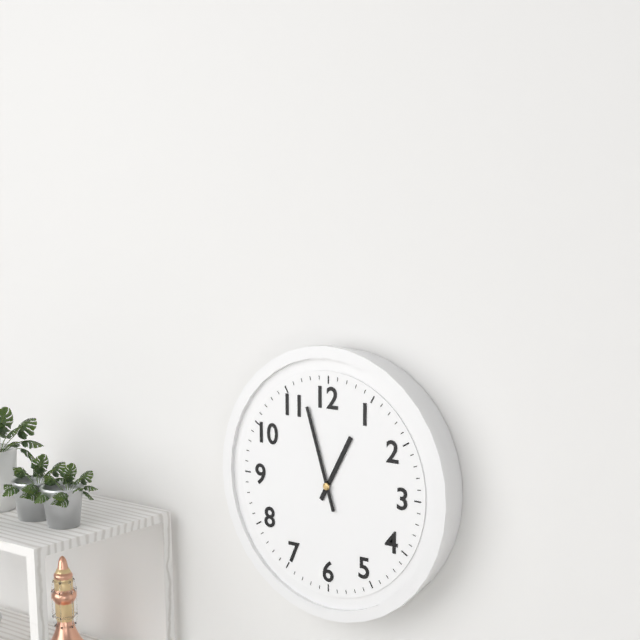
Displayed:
h=12 m=57
